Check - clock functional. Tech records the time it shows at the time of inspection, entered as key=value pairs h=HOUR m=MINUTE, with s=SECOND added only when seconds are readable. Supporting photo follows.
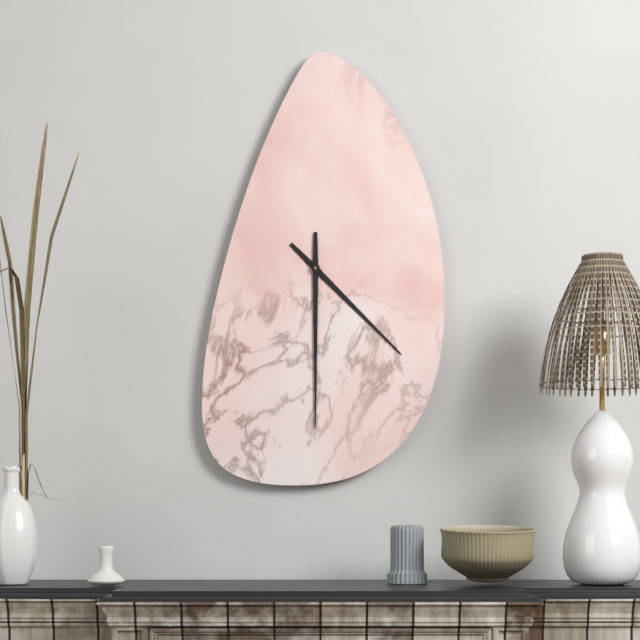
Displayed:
h=4 m=30
